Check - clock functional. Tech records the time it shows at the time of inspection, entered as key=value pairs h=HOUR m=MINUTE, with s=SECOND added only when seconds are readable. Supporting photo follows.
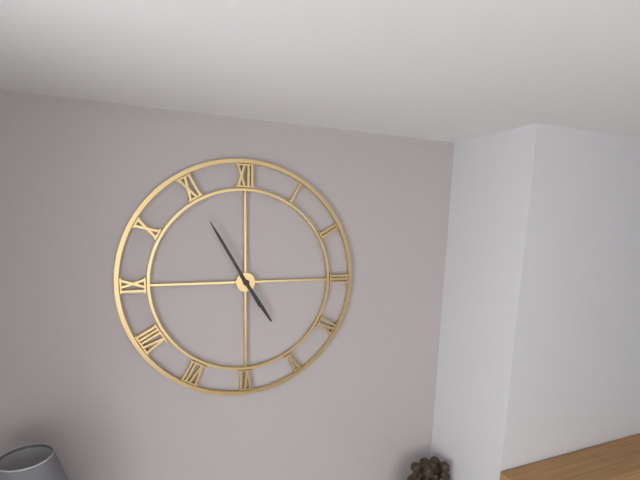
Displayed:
h=4 m=55
